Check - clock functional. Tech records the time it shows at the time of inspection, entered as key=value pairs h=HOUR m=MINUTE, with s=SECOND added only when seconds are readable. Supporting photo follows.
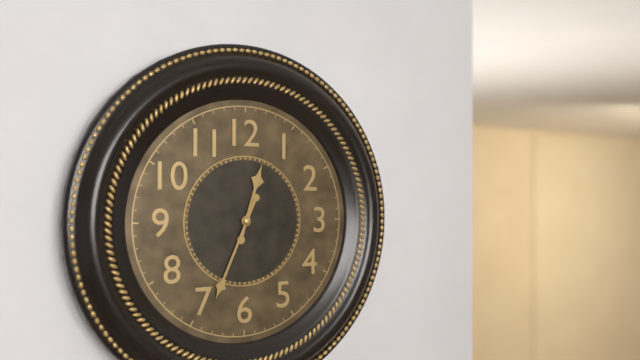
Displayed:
h=12 m=34
